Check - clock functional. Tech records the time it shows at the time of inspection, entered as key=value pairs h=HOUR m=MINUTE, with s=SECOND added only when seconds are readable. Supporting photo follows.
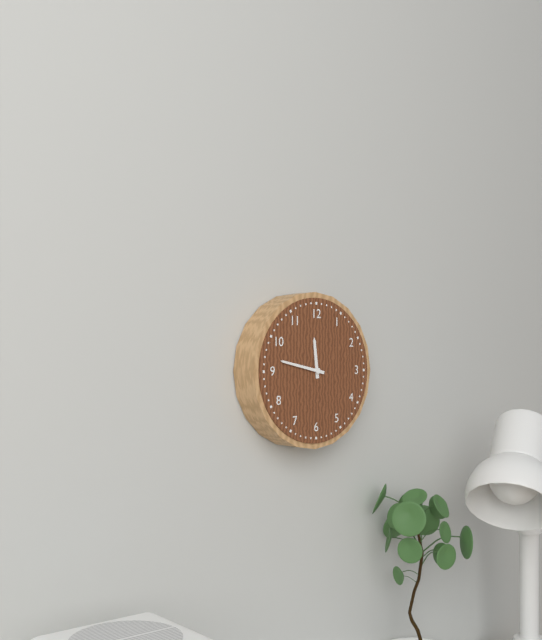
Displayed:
h=11 m=47
